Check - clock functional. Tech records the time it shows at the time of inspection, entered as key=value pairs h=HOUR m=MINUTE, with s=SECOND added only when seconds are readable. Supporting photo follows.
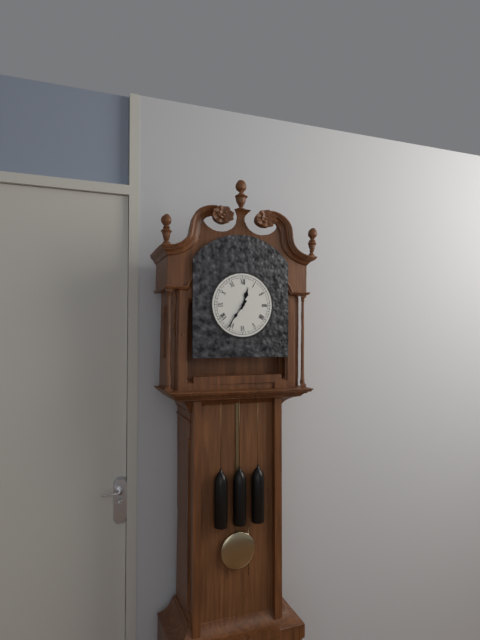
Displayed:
h=12 m=36
